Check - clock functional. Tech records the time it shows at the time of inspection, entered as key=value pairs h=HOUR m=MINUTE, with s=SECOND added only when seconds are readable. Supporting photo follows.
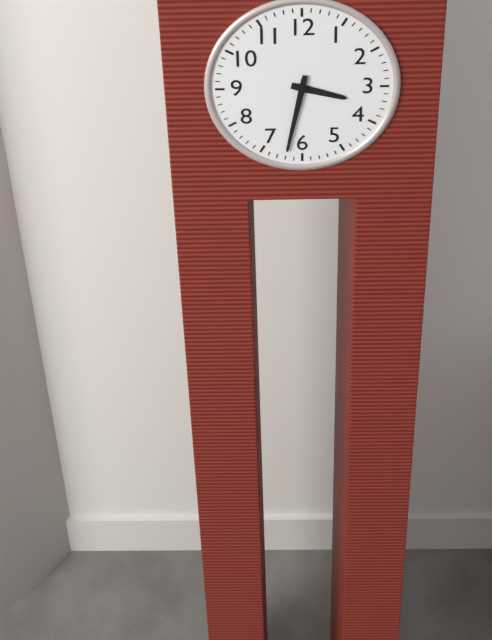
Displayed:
h=3 m=32
